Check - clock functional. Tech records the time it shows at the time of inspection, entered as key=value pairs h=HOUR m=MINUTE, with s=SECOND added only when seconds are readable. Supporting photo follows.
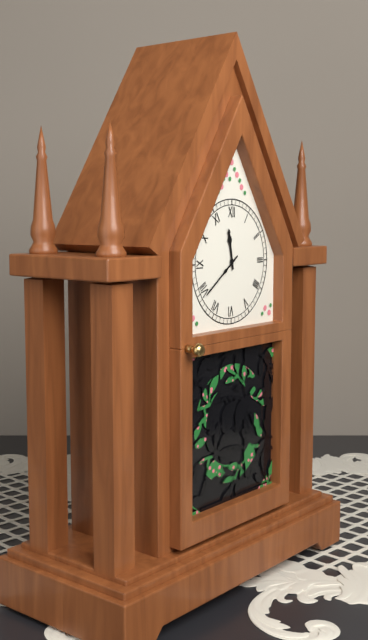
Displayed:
h=11 m=39
